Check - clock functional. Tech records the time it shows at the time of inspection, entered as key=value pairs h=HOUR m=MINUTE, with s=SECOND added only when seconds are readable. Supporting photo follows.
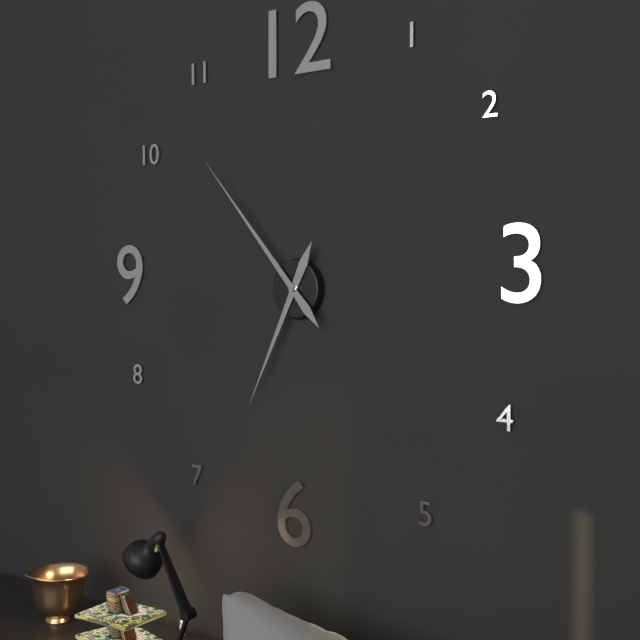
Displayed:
h=6 m=53
